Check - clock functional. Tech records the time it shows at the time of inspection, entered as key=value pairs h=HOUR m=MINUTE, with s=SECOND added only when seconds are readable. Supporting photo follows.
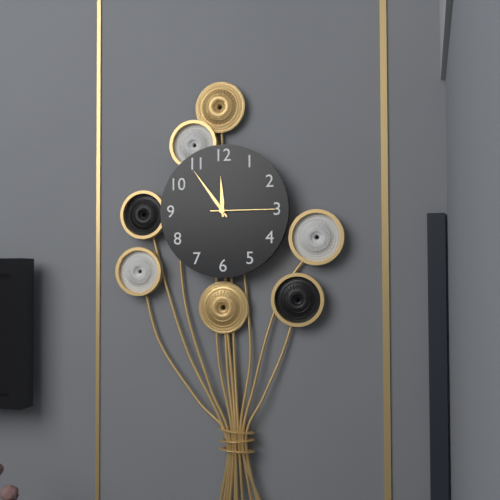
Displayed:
h=11 m=54 s=15
